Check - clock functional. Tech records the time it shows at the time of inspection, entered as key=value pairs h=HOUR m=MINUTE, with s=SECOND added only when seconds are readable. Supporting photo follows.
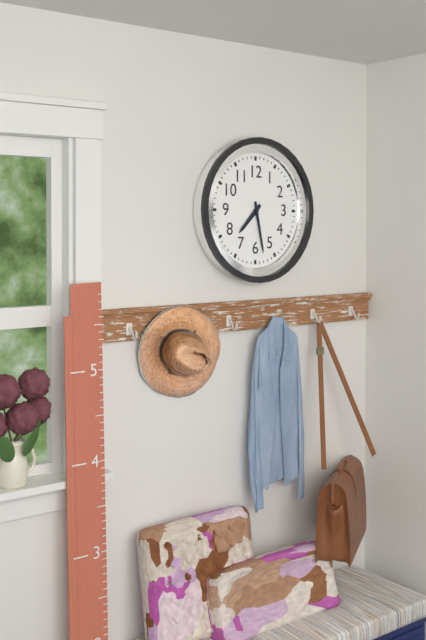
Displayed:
h=7 m=28
